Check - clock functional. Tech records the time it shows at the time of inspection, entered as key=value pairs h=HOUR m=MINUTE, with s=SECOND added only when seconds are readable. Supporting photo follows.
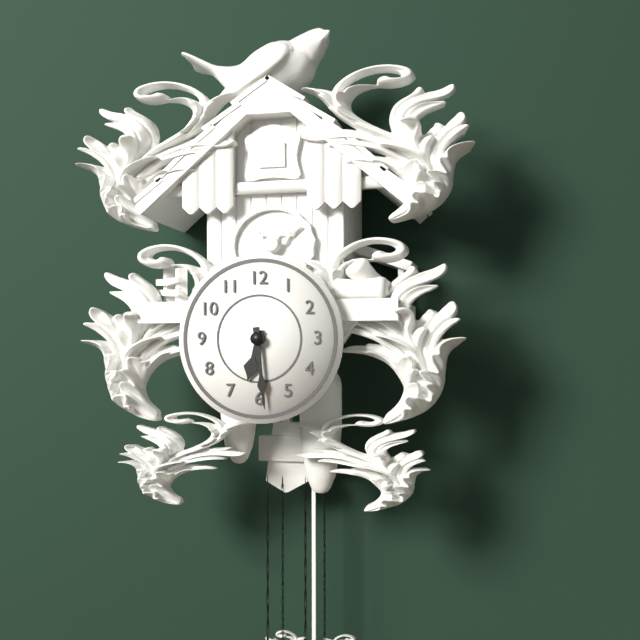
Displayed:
h=6 m=29
